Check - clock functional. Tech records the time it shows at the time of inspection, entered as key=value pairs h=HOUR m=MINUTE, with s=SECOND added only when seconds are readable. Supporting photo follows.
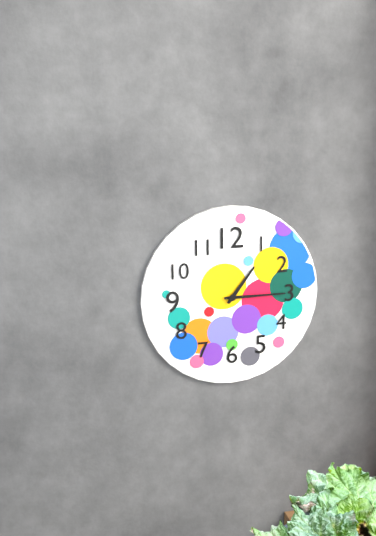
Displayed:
h=1 m=15
